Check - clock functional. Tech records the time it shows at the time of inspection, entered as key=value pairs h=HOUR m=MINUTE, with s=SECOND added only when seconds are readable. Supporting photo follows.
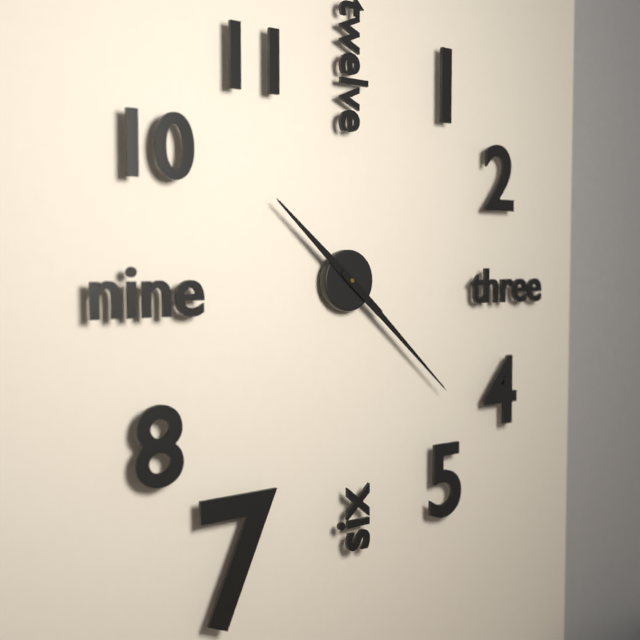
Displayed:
h=10 m=22
